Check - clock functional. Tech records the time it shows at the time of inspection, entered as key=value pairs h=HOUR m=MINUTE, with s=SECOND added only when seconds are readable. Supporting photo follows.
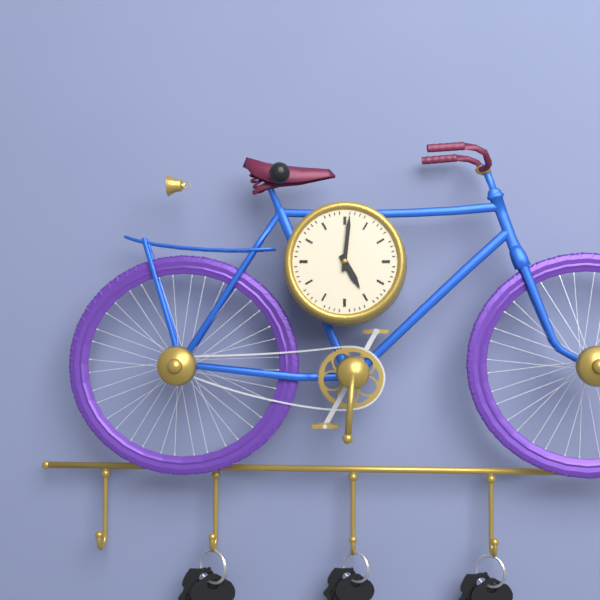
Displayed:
h=5 m=1
